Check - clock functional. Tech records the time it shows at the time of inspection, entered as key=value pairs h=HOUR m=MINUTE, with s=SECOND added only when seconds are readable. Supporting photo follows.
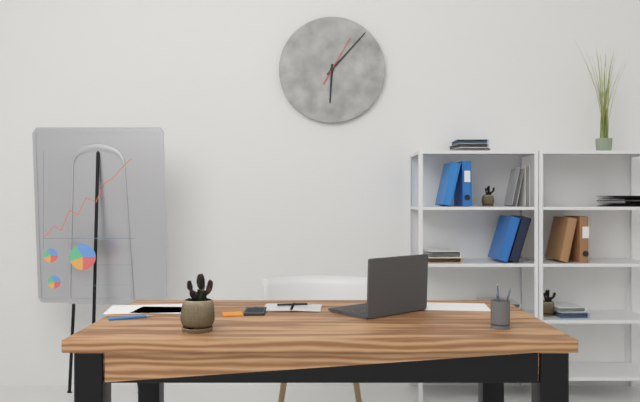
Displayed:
h=6 m=7
